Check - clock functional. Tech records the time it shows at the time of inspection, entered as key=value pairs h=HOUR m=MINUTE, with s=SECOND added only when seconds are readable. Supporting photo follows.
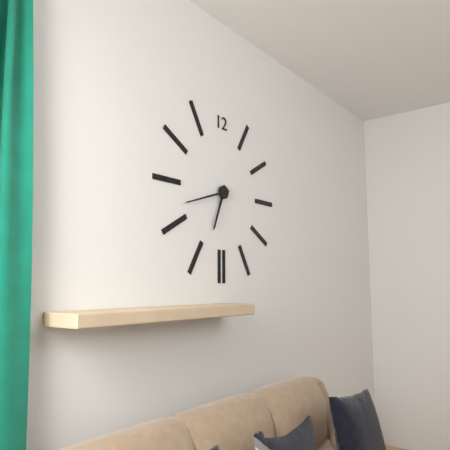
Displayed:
h=6 m=42
